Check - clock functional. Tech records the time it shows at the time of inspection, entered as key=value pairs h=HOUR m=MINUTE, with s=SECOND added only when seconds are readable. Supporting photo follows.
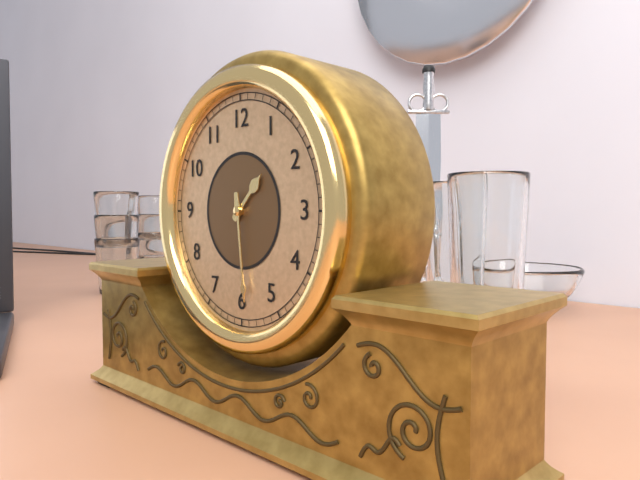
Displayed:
h=1 m=29
